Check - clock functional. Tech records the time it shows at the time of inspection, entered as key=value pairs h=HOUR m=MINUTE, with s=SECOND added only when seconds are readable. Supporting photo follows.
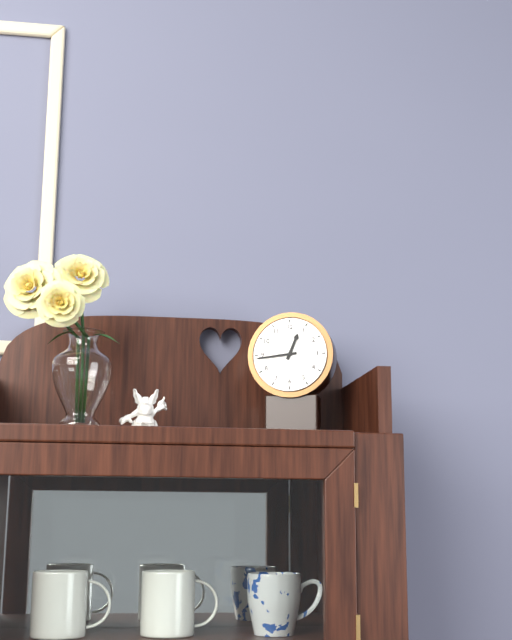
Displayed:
h=12 m=44
